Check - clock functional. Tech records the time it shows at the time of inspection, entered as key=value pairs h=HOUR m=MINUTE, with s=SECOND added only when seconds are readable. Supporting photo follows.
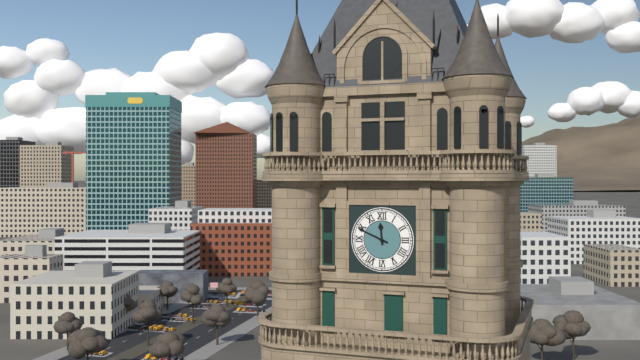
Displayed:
h=11 m=49
